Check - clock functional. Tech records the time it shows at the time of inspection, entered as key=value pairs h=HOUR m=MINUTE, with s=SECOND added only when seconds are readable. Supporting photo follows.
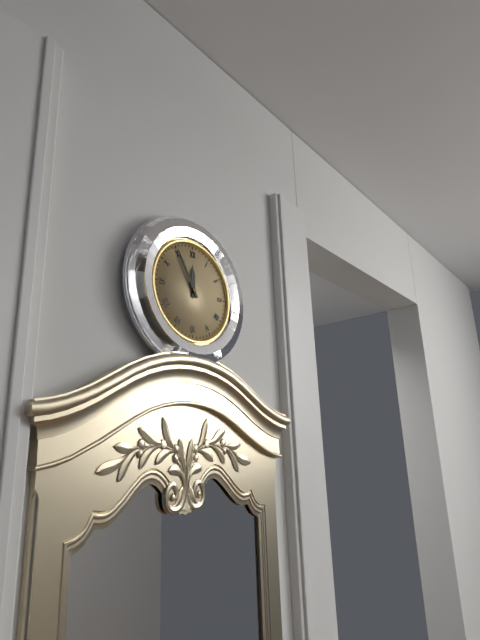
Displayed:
h=11 m=55
